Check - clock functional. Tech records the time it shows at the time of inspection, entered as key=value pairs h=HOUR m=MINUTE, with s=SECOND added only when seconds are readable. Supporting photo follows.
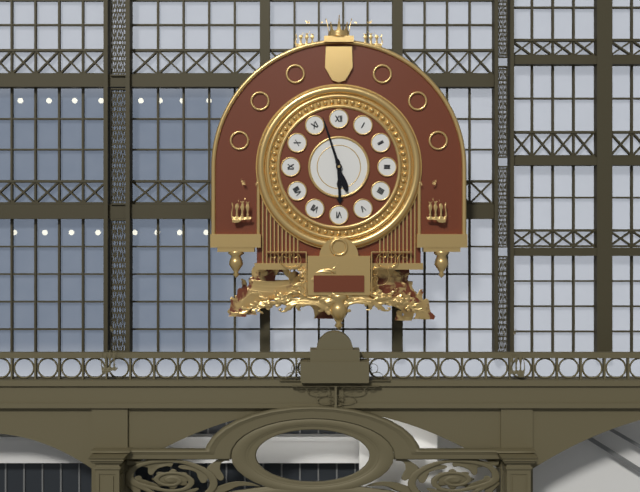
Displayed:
h=5 m=57
